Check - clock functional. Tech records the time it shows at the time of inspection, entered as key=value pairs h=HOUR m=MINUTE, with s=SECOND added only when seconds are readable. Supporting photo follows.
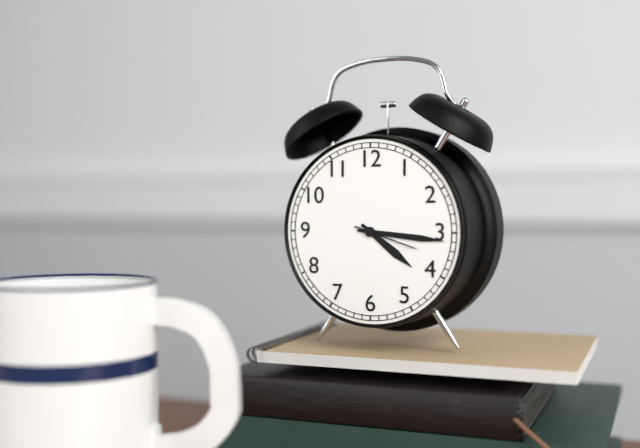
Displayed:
h=4 m=16 s=18
